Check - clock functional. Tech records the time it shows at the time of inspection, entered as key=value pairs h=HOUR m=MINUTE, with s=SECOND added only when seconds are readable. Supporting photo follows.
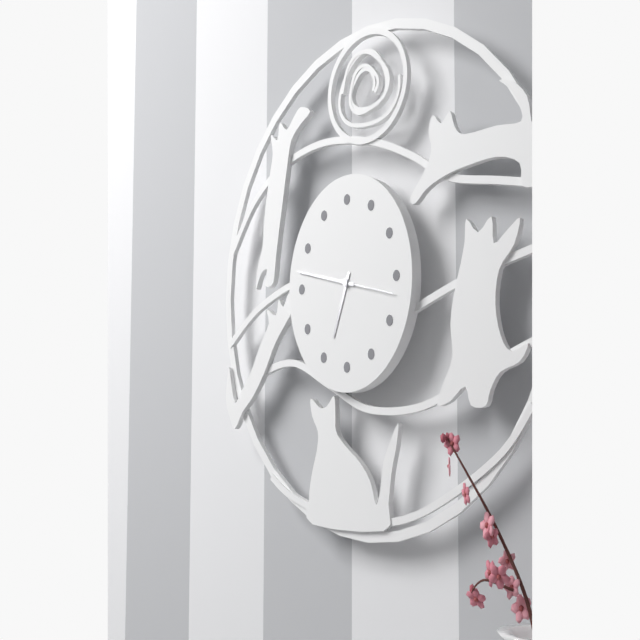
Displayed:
h=6 m=47 s=17
